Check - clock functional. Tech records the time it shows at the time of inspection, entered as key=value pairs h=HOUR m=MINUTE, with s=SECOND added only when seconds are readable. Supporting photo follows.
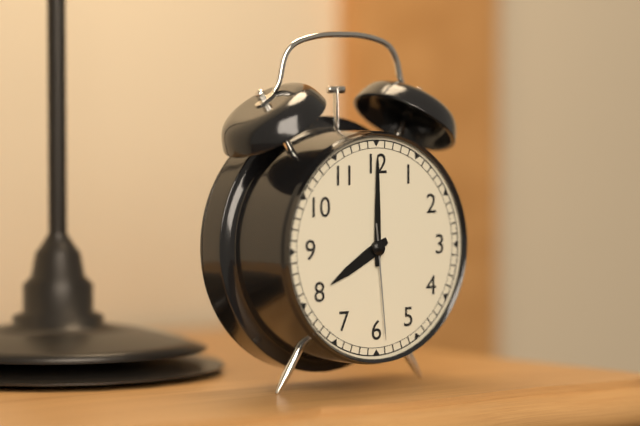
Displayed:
h=8 m=0 s=29
